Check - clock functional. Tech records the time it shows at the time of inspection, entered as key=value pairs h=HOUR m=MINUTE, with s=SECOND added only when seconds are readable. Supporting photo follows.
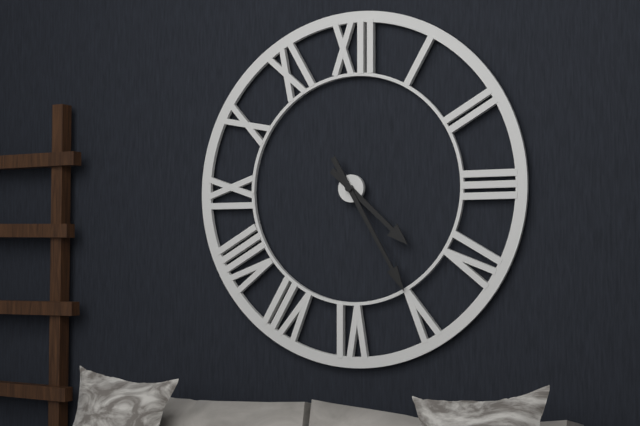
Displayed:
h=4 m=25
